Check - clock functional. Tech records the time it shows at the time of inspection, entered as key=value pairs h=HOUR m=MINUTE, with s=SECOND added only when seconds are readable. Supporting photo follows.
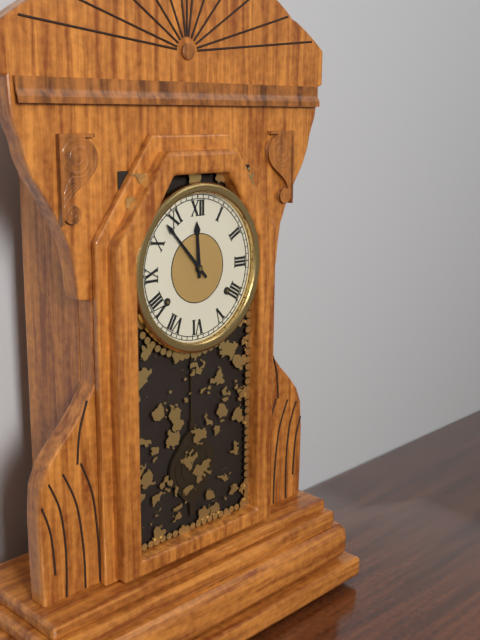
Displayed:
h=11 m=53
